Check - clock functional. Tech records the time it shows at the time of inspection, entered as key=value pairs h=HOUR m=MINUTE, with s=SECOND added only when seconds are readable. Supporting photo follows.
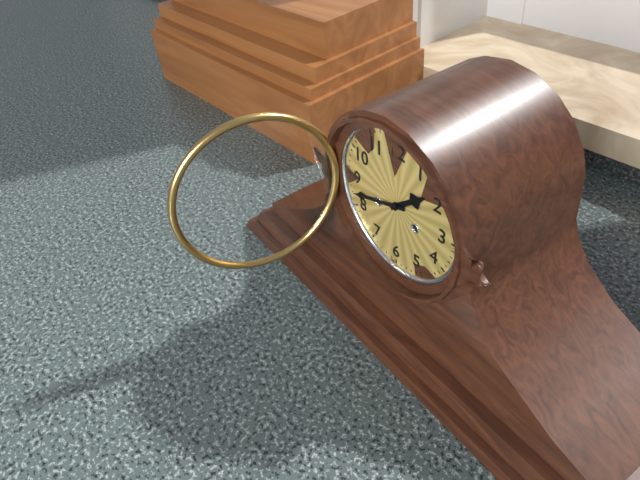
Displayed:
h=1 m=42
